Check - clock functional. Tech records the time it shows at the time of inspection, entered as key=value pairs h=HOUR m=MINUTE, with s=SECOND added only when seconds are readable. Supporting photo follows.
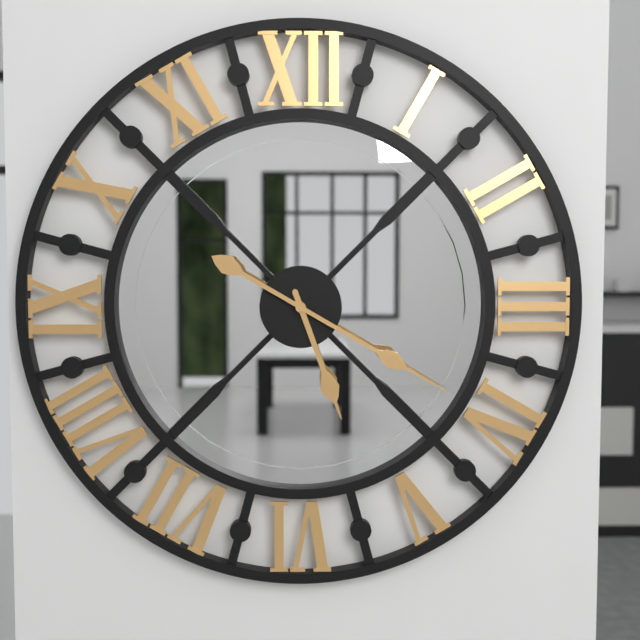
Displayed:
h=5 m=20
